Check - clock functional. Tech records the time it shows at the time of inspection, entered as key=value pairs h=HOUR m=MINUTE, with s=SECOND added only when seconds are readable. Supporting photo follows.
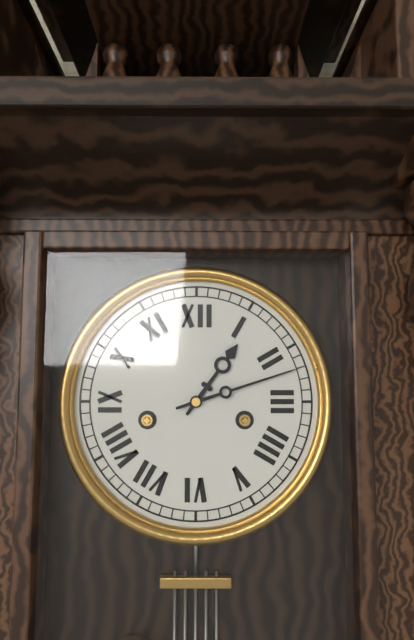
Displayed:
h=1 m=12
